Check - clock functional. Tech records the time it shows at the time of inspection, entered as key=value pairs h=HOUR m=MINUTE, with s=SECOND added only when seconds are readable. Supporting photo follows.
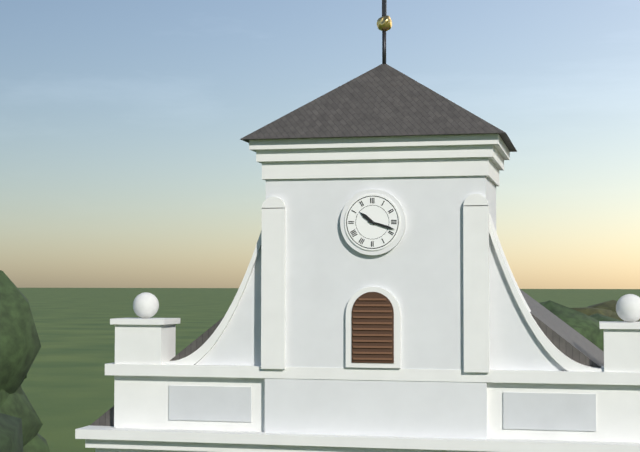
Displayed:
h=10 m=18
